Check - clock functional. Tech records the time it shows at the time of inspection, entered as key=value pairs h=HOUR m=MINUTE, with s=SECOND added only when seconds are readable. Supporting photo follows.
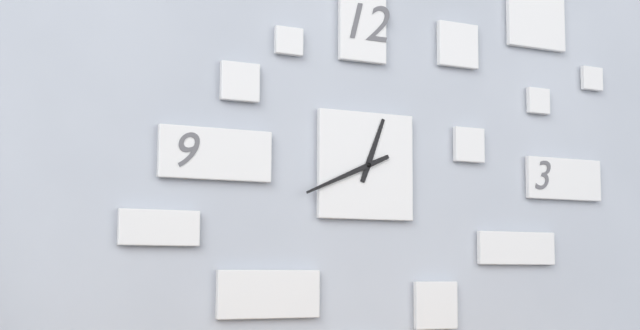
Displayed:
h=12 m=41
